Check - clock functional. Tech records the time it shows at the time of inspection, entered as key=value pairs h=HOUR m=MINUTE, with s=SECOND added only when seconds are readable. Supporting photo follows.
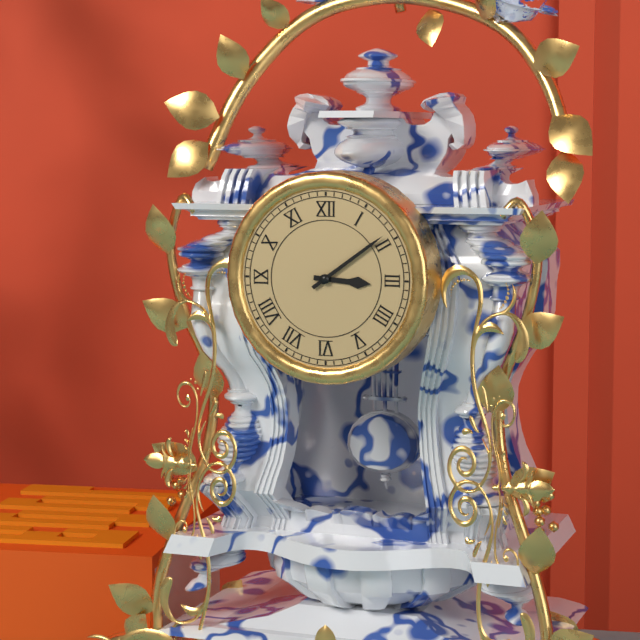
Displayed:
h=3 m=9
